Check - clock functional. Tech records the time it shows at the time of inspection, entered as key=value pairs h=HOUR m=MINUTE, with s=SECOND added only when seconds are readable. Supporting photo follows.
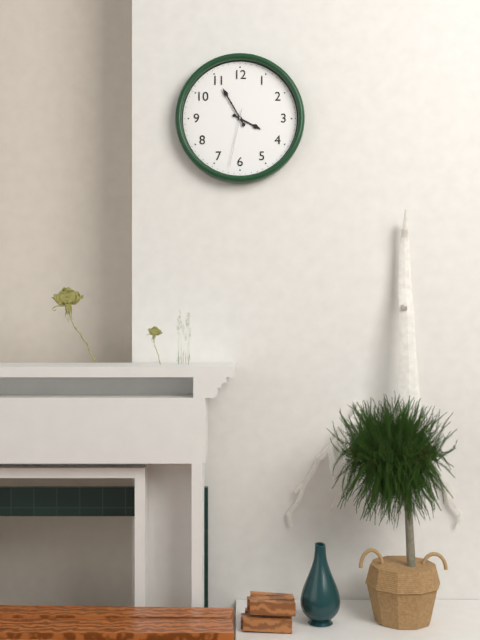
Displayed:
h=3 m=55 s=32
